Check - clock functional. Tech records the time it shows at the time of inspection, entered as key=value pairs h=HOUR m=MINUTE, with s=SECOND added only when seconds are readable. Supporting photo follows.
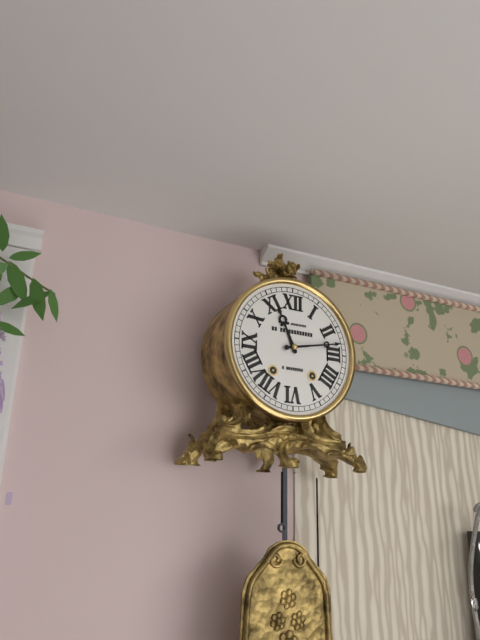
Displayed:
h=11 m=13
